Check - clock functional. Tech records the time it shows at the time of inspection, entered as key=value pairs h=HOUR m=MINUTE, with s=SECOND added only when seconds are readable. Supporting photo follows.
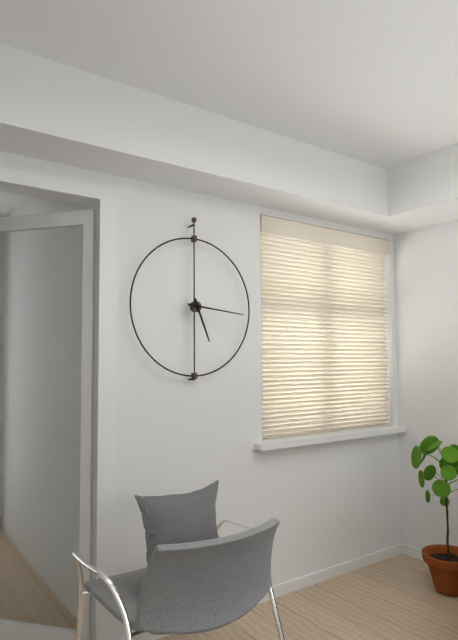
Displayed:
h=5 m=16
